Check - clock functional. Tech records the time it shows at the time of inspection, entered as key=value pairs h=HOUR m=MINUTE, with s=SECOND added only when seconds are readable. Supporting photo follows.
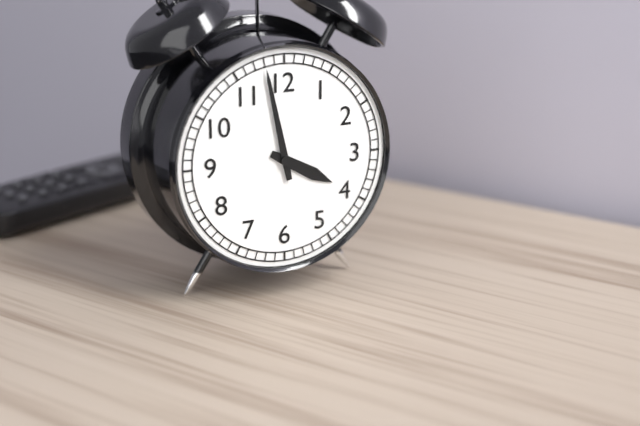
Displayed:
h=3 m=58
